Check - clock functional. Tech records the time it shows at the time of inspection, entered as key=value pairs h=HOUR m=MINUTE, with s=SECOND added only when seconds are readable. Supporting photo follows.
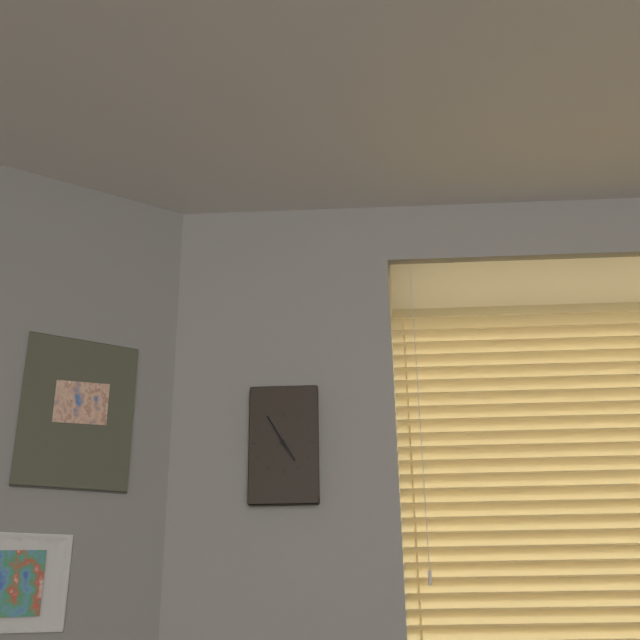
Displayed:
h=4 m=55
